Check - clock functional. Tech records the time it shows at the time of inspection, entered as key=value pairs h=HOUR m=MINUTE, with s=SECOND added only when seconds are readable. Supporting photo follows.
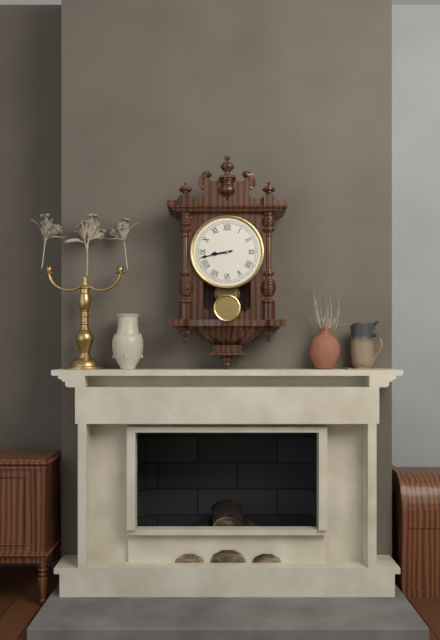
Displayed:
h=8 m=43
